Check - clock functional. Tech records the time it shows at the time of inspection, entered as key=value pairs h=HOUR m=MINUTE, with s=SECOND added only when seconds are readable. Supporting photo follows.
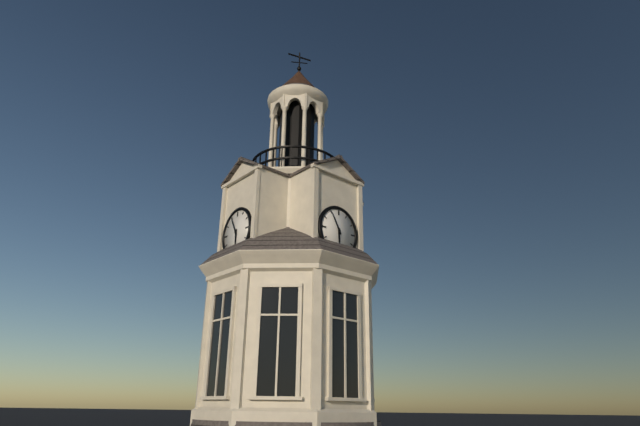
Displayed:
h=5 m=55
